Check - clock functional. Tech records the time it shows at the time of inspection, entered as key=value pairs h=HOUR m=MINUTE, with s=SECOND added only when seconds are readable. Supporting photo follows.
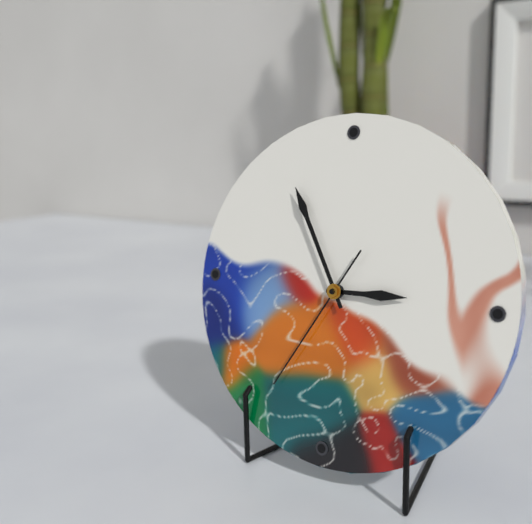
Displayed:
h=2 m=55 s=35
